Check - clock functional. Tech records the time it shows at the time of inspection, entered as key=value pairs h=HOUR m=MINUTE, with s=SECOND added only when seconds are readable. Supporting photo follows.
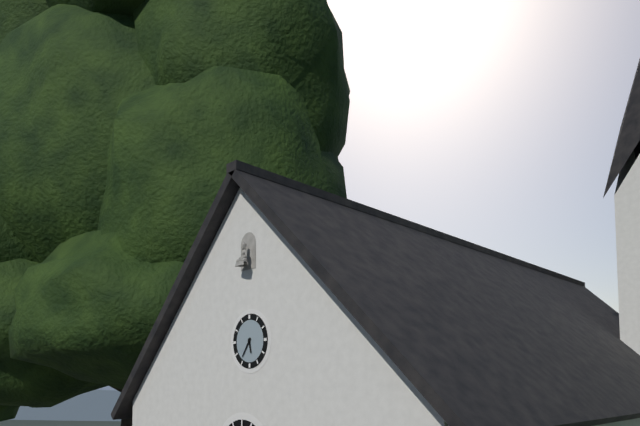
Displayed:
h=5 m=36
